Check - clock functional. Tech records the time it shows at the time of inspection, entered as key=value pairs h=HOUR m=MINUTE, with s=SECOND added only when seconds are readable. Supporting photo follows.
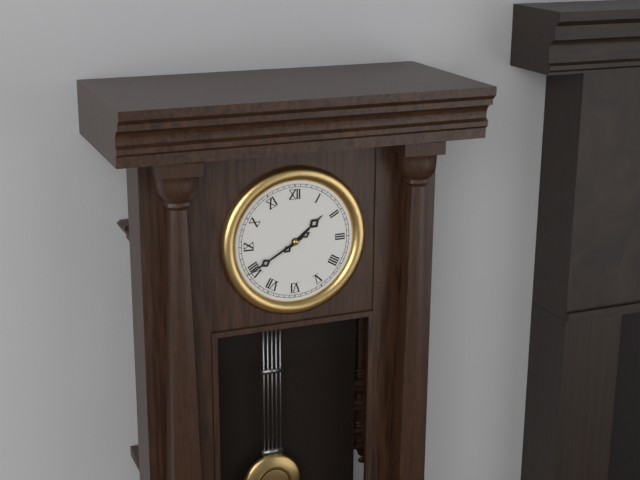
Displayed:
h=1 m=40
